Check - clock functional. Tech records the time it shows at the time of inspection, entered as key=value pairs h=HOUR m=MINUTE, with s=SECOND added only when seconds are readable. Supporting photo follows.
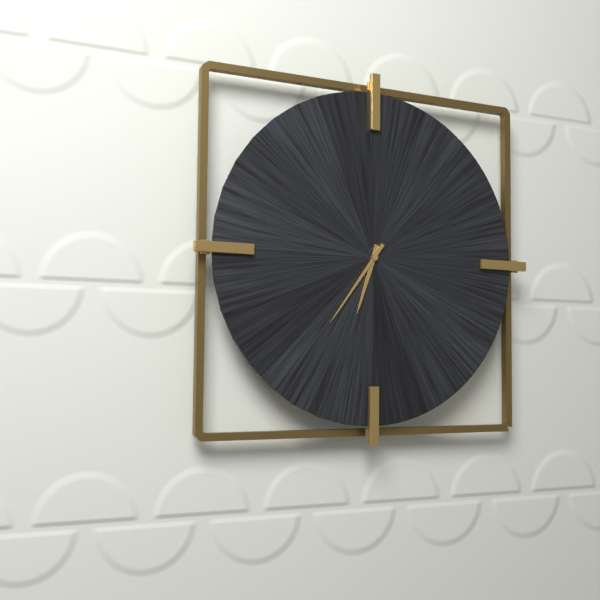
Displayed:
h=6 m=36
